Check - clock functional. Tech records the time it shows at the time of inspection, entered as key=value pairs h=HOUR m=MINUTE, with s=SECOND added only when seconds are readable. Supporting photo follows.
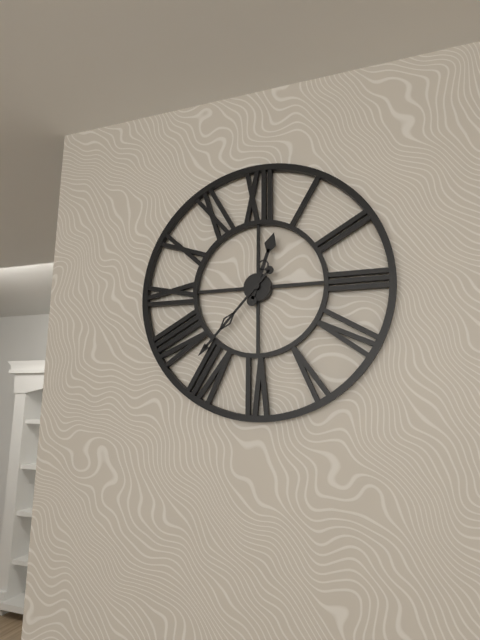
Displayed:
h=12 m=37
